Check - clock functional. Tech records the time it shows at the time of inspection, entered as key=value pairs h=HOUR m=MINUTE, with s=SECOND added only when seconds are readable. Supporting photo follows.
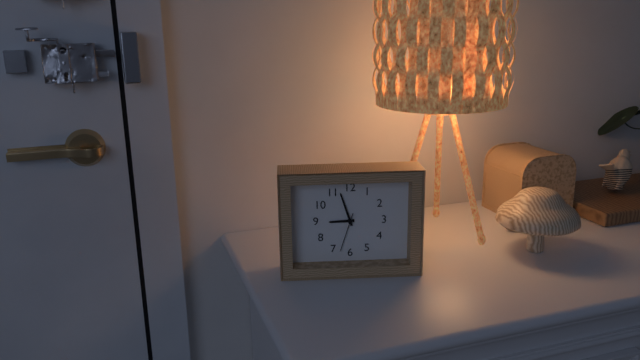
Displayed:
h=8 m=57
